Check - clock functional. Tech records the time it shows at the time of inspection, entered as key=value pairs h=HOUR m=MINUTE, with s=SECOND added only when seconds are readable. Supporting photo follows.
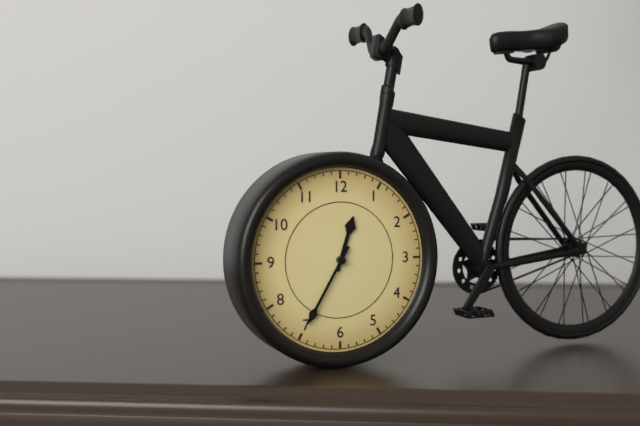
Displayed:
h=12 m=35
